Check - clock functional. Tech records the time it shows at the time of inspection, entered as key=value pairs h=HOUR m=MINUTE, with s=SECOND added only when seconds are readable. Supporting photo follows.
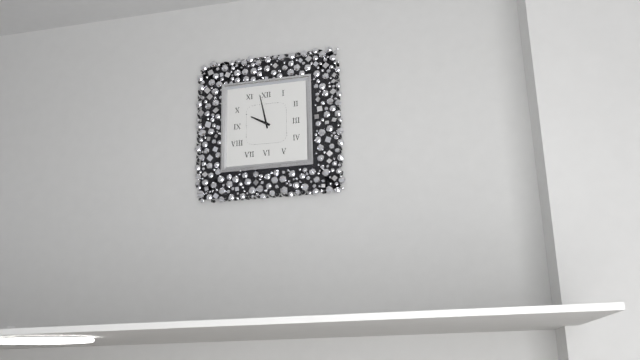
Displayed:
h=9 m=58
